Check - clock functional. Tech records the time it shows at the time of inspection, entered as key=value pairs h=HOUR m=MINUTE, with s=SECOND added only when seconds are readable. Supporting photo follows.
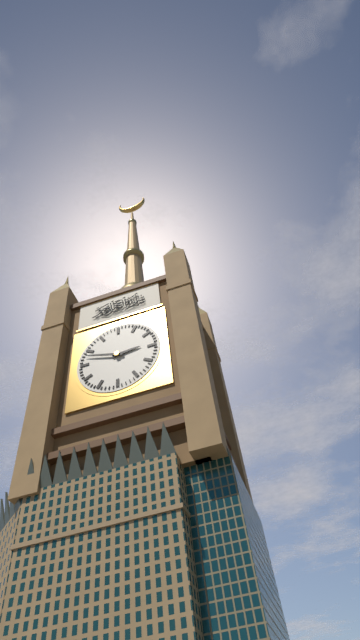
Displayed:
h=2 m=48
